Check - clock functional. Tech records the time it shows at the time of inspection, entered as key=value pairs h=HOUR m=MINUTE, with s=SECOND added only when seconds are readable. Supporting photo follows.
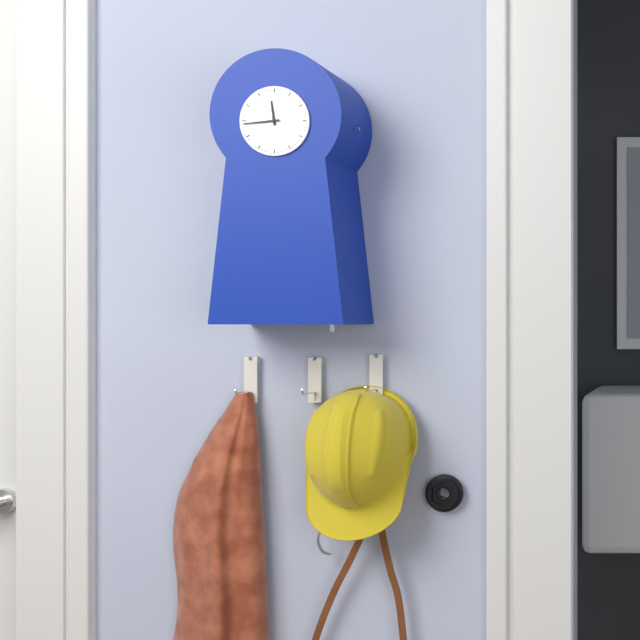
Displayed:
h=11 m=44
